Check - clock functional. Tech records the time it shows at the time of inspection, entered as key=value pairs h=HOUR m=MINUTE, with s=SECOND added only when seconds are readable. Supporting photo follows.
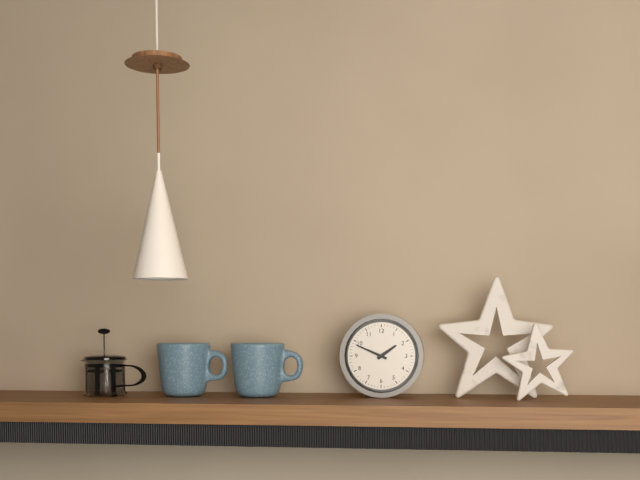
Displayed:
h=1 m=49
